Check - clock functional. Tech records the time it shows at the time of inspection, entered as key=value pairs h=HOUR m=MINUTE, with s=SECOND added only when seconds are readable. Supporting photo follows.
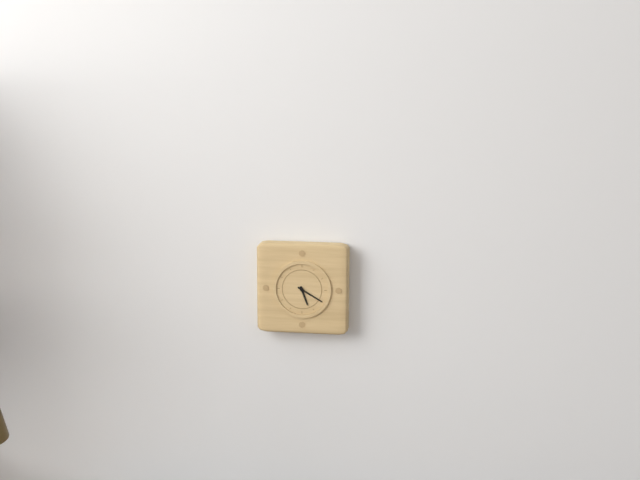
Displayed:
h=5 m=20
